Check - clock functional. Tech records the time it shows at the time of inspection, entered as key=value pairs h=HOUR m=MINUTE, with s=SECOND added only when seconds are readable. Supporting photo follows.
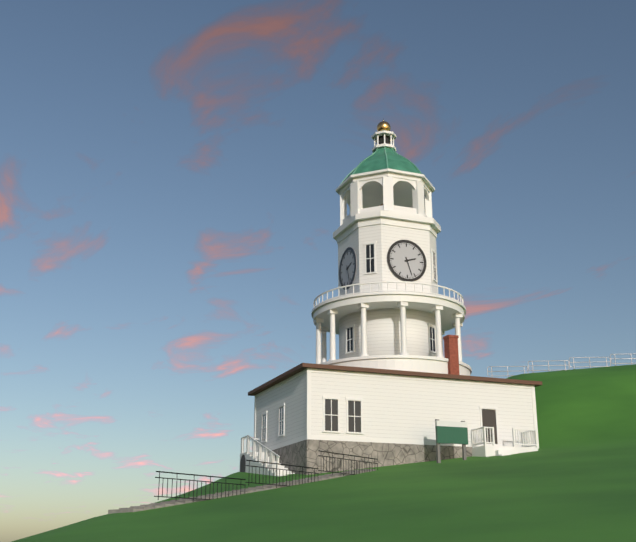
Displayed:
h=2 m=27
